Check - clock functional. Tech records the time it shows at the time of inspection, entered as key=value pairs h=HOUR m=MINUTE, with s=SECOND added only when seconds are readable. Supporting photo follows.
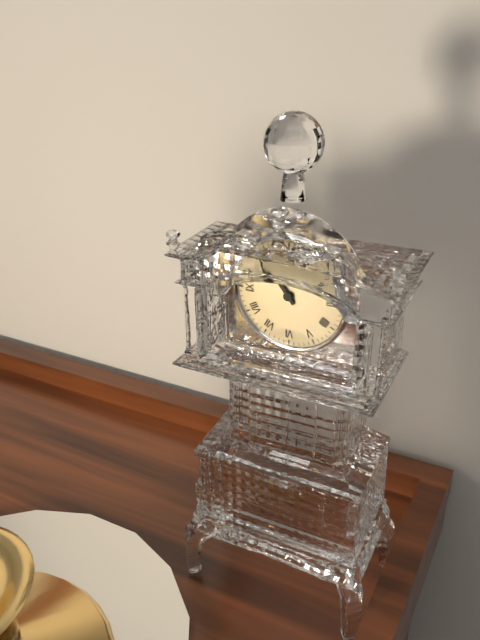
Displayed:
h=10 m=54
